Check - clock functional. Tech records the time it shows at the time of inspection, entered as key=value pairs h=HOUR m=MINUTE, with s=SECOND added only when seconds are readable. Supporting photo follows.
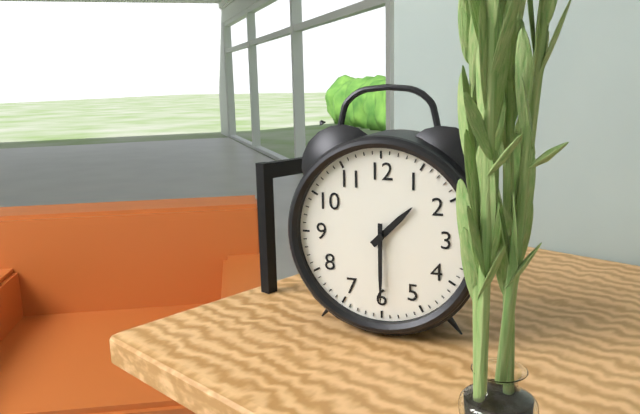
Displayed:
h=1 m=30
